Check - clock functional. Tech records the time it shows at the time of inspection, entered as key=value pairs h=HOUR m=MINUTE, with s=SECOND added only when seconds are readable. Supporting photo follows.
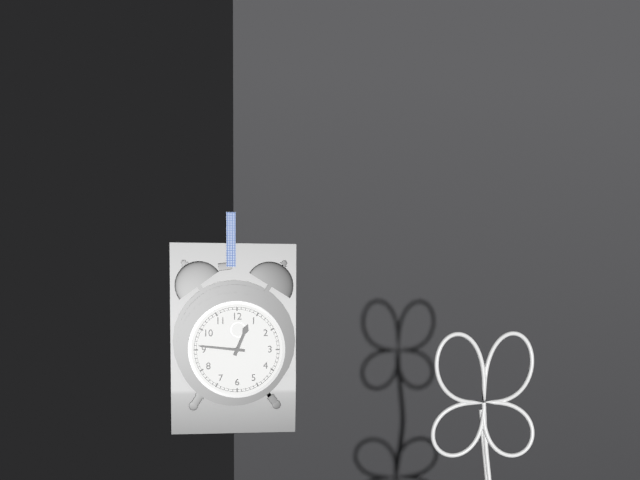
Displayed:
h=12 m=46
